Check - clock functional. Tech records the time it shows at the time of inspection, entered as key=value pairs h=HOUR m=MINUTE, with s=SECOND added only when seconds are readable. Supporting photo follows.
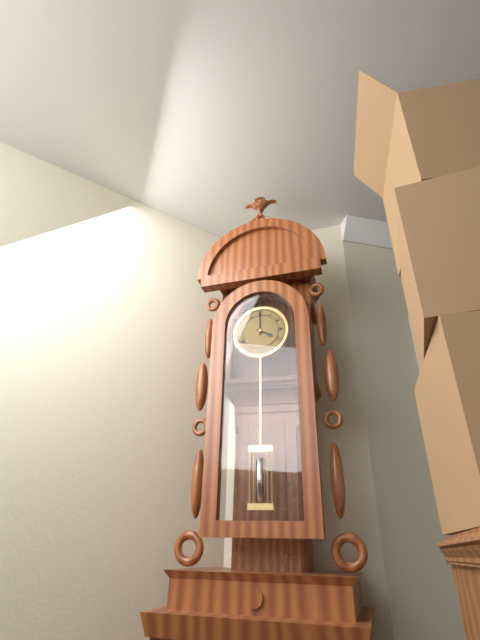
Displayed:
h=4 m=0
